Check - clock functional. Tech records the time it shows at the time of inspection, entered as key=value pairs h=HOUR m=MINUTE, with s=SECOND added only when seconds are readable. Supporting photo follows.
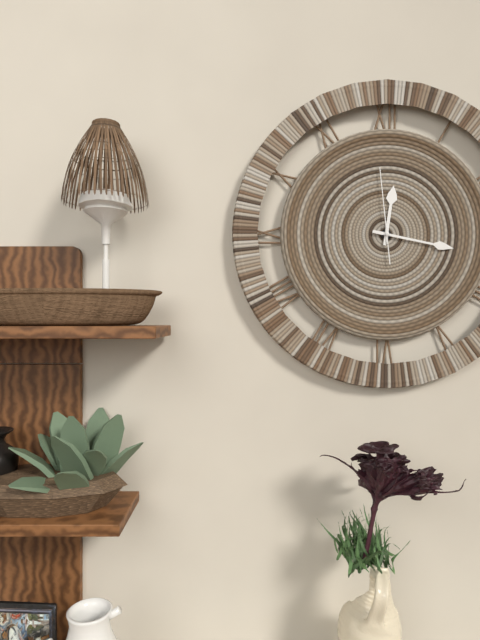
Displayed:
h=12 m=17 s=59
